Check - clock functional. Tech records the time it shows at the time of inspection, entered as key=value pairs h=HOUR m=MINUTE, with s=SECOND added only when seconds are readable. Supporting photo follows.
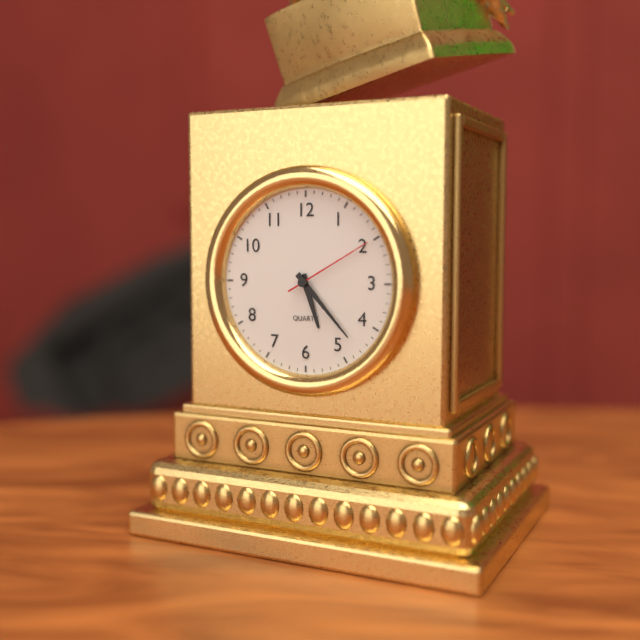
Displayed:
h=5 m=23 s=10
